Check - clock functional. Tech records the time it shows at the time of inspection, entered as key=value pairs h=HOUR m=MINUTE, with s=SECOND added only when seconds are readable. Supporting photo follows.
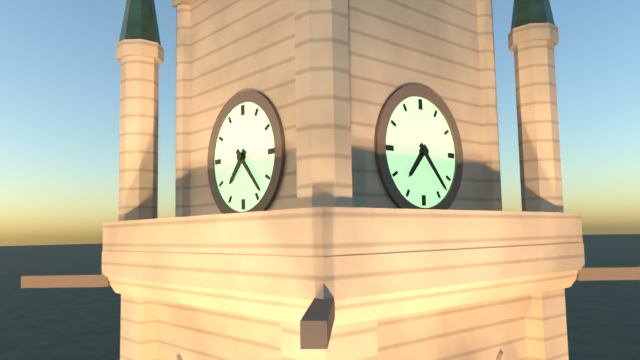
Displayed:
h=7 m=23
